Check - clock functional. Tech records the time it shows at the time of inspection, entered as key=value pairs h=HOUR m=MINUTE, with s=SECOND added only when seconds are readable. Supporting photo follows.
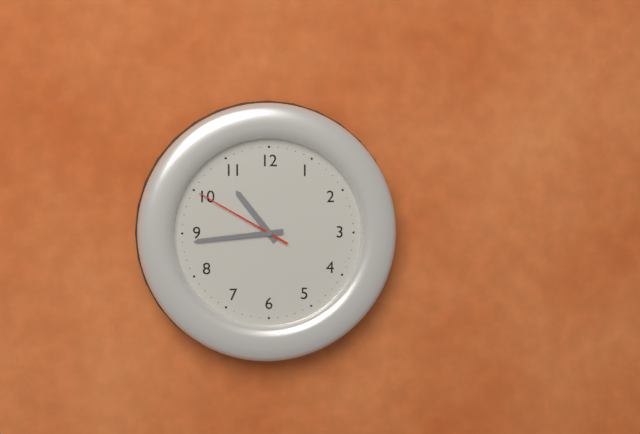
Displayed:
h=10 m=44 s=50
